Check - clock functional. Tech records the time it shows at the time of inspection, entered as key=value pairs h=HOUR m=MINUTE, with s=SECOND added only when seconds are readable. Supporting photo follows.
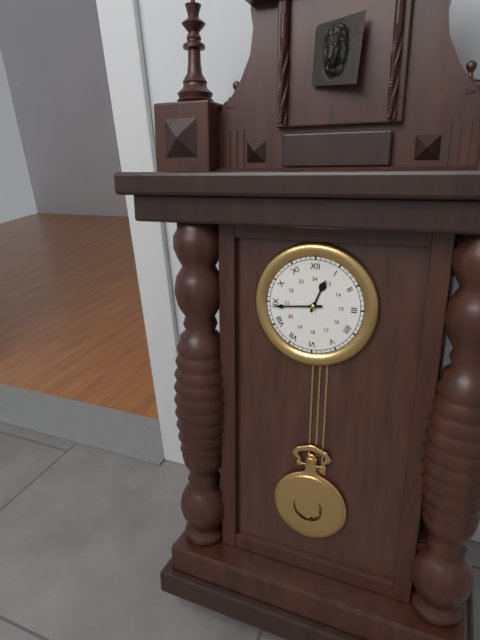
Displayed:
h=12 m=44
